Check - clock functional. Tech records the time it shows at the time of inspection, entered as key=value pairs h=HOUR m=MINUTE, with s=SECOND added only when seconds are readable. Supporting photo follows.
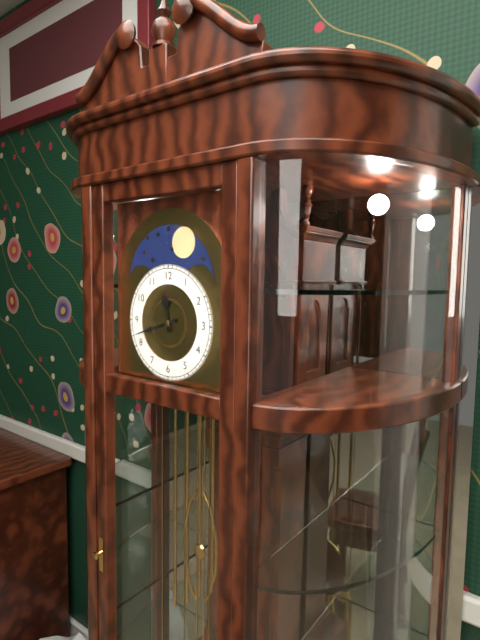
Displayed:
h=11 m=42
